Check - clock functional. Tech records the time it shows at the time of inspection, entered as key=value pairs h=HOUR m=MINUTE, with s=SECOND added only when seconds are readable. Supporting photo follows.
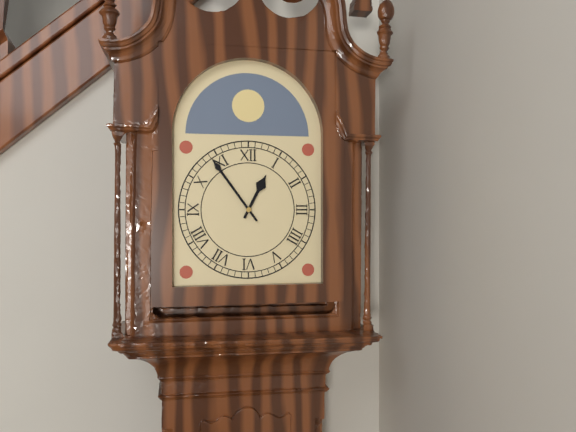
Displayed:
h=12 m=54
